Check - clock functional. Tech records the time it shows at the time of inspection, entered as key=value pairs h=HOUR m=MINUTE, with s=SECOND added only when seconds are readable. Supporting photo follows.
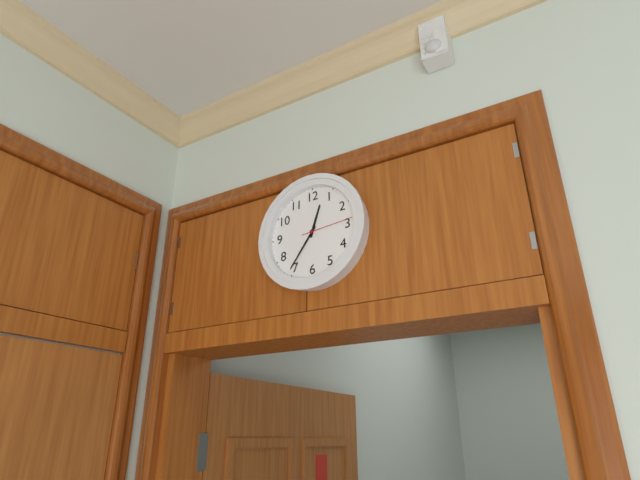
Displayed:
h=12 m=36 s=14
